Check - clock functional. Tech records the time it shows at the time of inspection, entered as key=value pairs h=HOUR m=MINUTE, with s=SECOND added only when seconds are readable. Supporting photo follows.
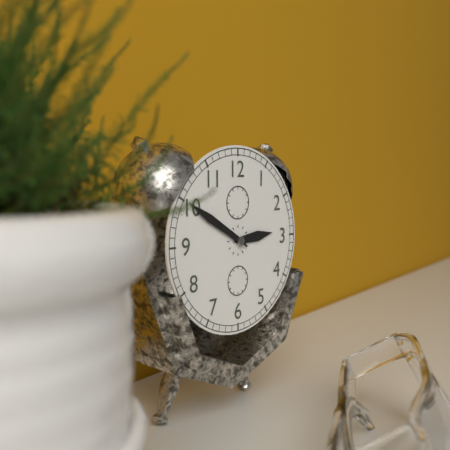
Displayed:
h=2 m=50
